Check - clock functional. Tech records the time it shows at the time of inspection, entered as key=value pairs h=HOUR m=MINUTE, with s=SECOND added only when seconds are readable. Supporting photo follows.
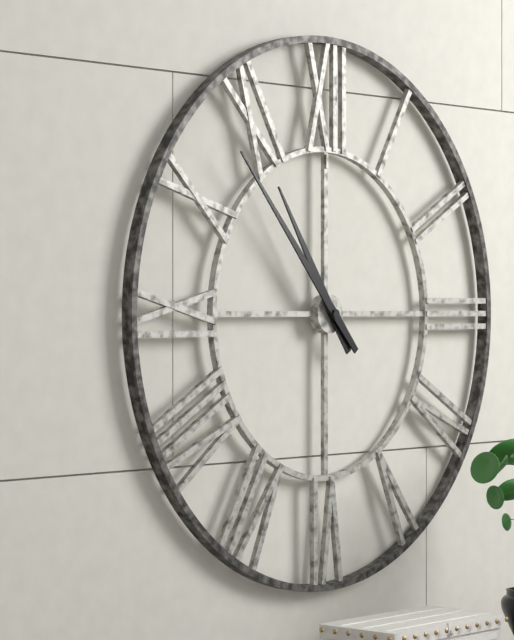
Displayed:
h=10 m=53
